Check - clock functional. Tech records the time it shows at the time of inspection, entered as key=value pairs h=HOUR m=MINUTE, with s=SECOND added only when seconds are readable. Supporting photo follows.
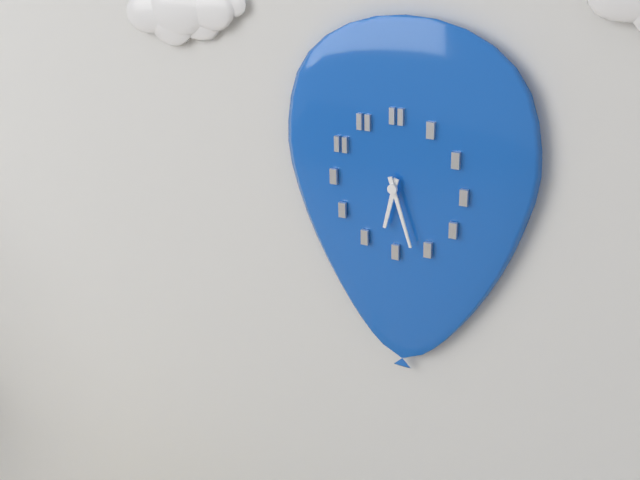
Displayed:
h=6 m=27
